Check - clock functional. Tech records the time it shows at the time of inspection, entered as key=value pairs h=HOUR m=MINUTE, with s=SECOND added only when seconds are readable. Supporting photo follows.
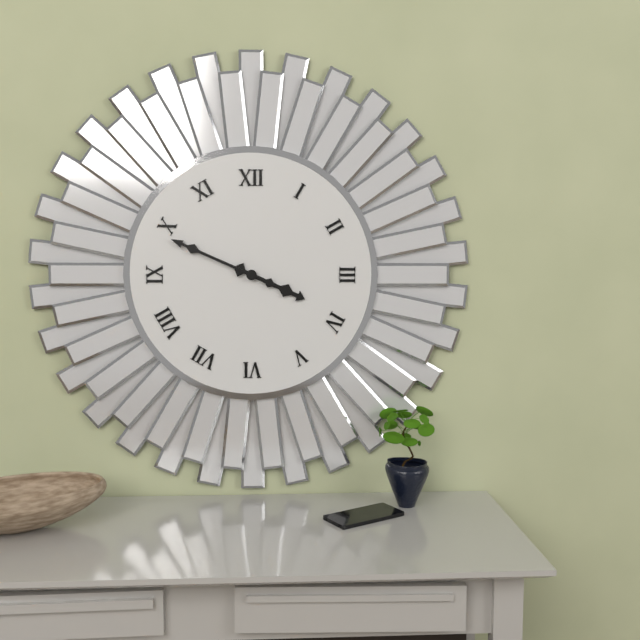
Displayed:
h=3 m=49
